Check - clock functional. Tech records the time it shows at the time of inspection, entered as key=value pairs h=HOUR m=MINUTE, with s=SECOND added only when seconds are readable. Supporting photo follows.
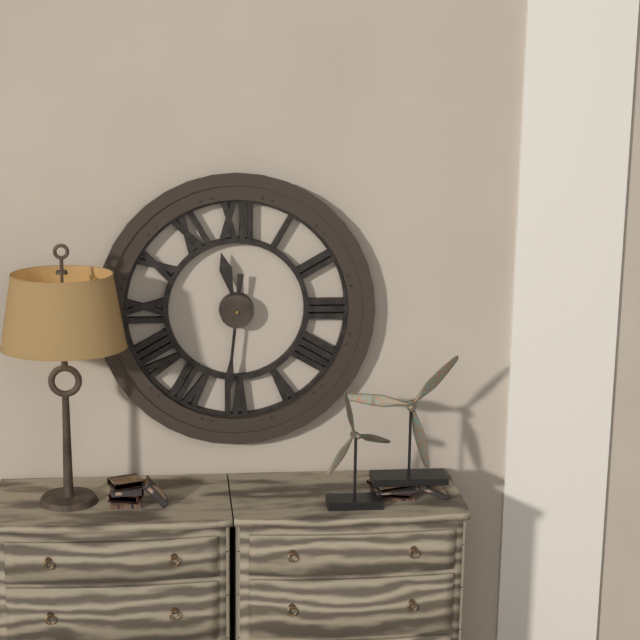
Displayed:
h=11 m=31
